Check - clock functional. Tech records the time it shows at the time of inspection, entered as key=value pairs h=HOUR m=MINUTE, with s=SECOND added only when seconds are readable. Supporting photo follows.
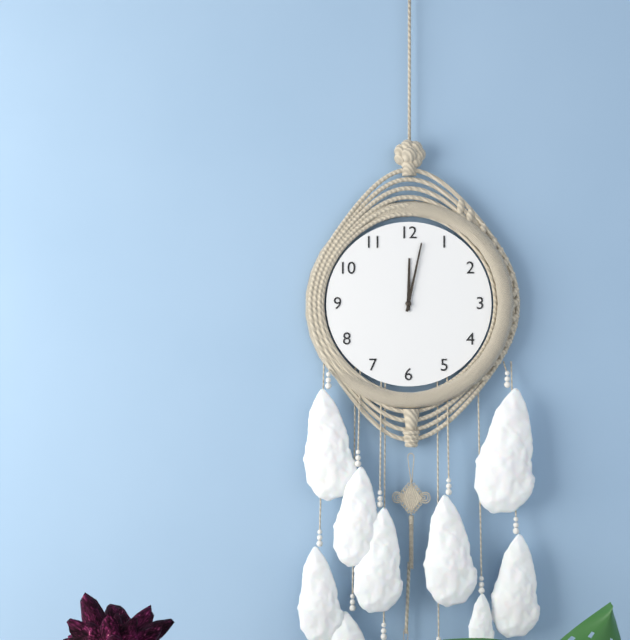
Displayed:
h=12 m=2
